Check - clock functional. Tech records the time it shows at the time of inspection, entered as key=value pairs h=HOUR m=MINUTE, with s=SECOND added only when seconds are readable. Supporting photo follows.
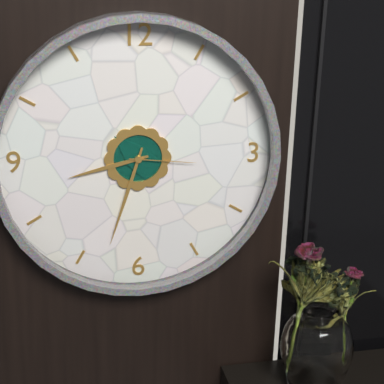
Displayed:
h=8 m=33 s=16
